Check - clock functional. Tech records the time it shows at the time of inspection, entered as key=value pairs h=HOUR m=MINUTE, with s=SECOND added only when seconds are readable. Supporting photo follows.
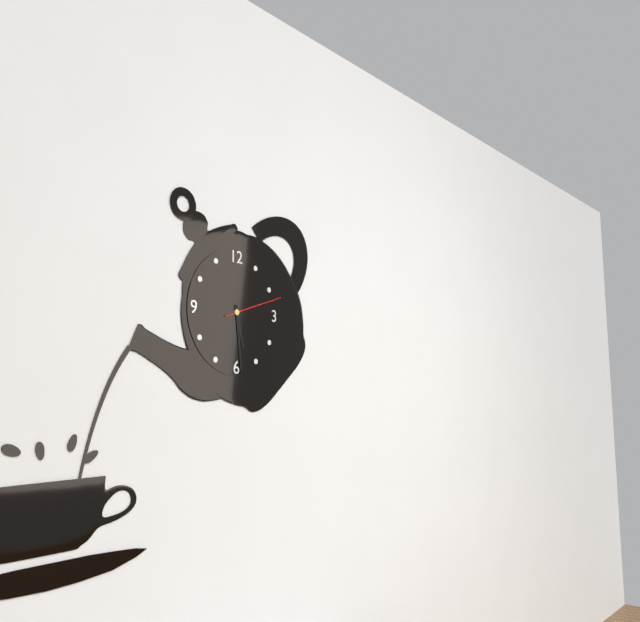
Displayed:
h=5 m=29 s=12
